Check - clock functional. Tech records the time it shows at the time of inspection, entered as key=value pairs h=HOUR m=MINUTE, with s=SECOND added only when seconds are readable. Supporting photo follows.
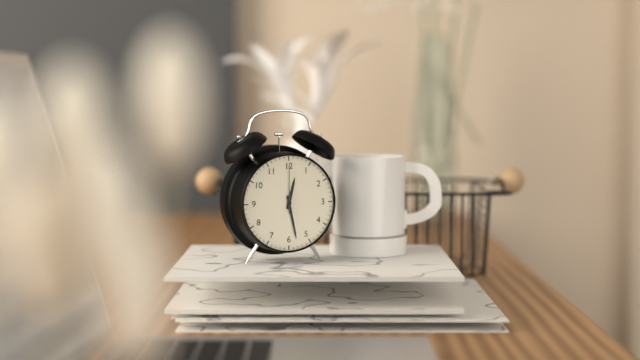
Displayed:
h=12 m=28
